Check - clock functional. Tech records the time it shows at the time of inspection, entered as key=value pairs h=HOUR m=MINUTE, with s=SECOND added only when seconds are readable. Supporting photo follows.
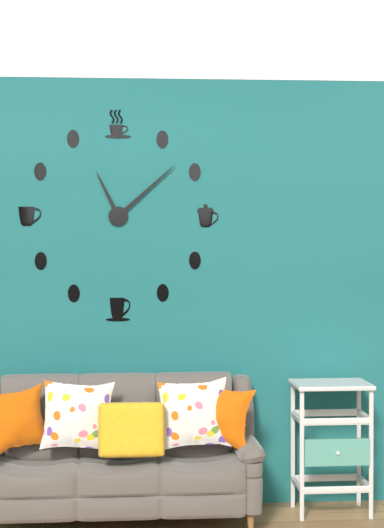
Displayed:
h=11 m=8
